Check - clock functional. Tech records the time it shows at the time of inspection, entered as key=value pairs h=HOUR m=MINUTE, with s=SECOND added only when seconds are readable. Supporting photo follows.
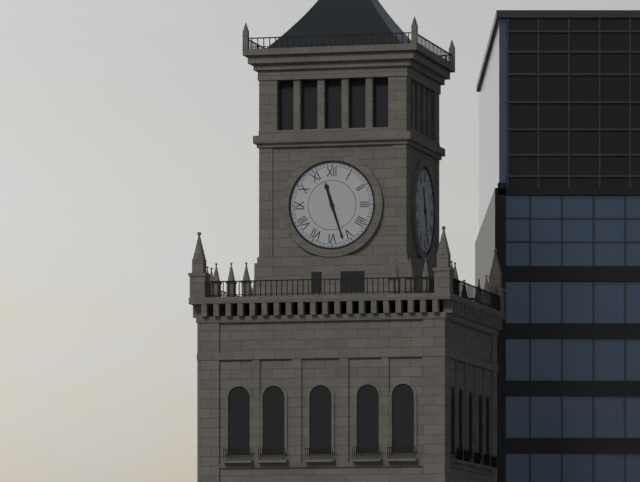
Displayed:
h=11 m=27
